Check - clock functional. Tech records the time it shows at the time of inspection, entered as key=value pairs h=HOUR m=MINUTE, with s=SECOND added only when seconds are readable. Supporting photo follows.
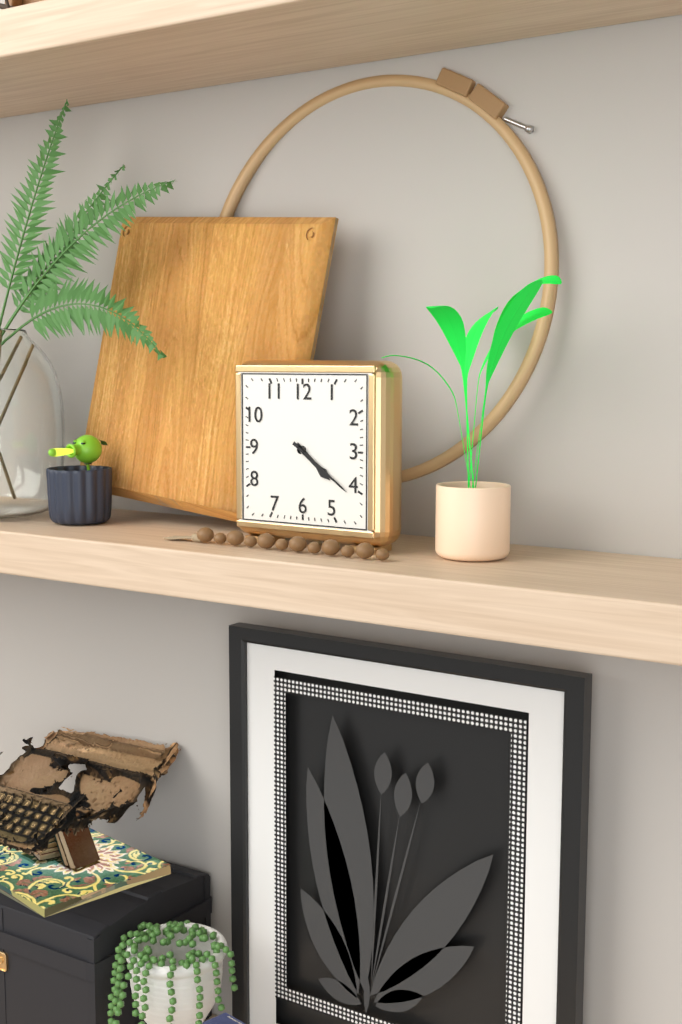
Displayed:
h=4 m=21
